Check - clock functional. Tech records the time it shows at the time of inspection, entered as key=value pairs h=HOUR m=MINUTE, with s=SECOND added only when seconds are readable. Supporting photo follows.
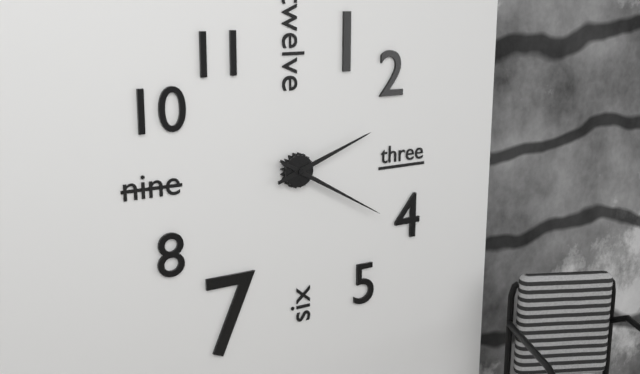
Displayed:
h=2 m=20
